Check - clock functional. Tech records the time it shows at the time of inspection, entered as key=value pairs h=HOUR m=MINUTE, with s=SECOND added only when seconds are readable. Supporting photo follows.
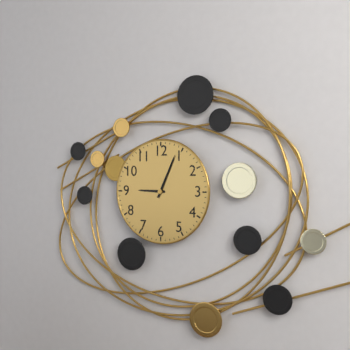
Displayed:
h=9 m=4
